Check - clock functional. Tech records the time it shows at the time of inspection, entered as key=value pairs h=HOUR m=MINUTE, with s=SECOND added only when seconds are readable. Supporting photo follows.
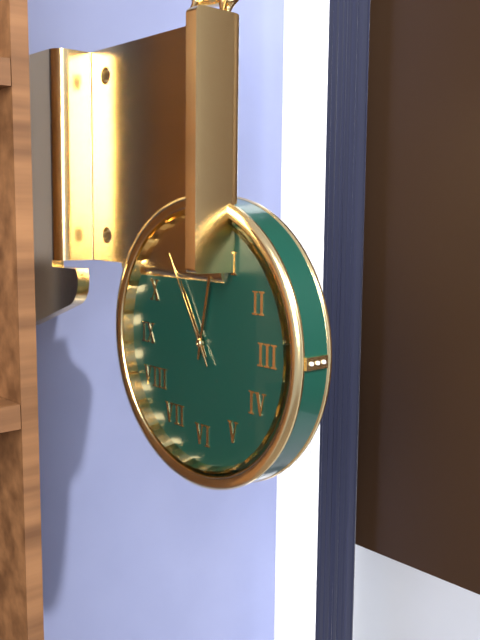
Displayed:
h=11 m=2 s=55
